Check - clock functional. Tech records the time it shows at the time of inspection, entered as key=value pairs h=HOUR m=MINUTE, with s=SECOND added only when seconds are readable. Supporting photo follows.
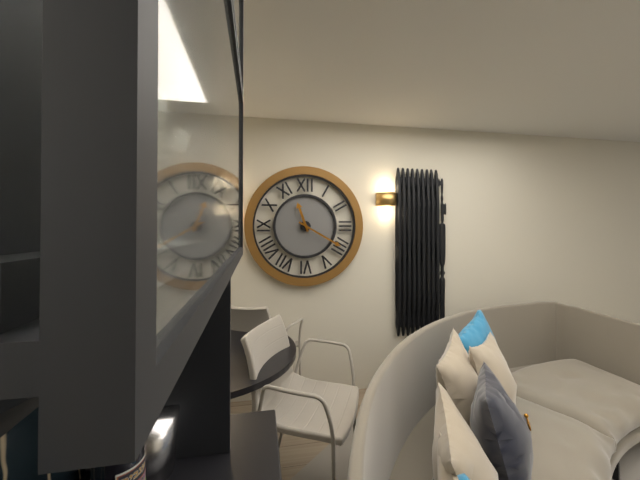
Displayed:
h=11 m=20
